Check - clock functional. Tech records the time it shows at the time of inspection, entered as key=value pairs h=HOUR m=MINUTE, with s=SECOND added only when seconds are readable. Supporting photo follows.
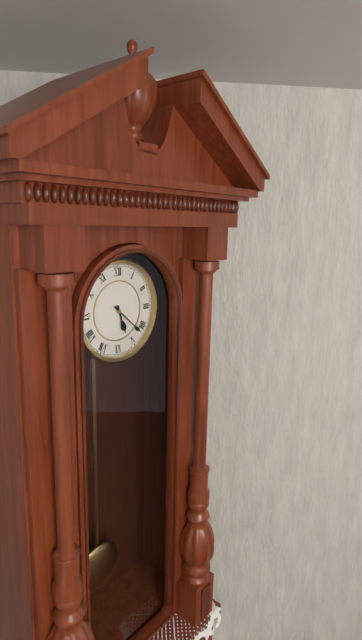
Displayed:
h=5 m=22
